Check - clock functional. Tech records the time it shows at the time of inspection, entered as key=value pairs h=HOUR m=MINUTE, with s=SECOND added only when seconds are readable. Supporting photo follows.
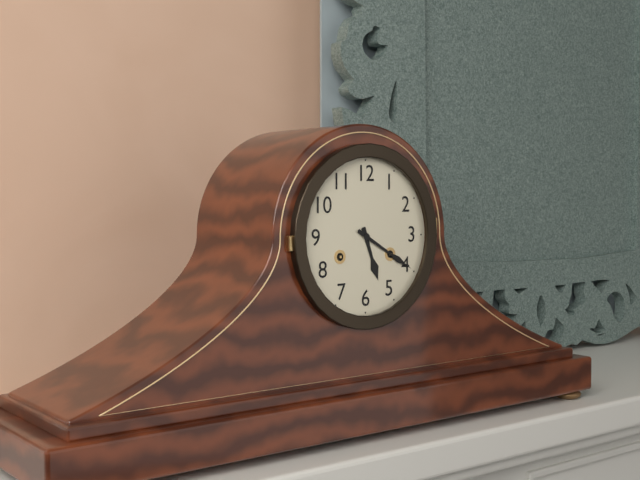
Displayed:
h=5 m=20
